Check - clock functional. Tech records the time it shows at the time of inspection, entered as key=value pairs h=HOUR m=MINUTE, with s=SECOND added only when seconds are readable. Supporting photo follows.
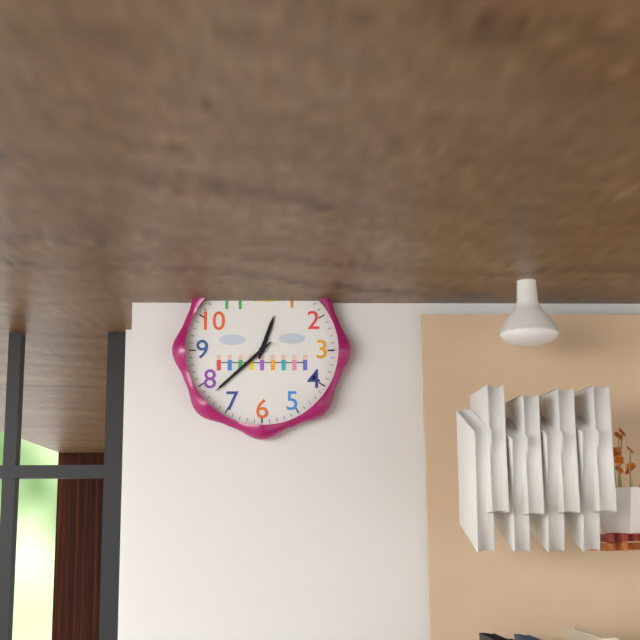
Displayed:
h=12 m=38
